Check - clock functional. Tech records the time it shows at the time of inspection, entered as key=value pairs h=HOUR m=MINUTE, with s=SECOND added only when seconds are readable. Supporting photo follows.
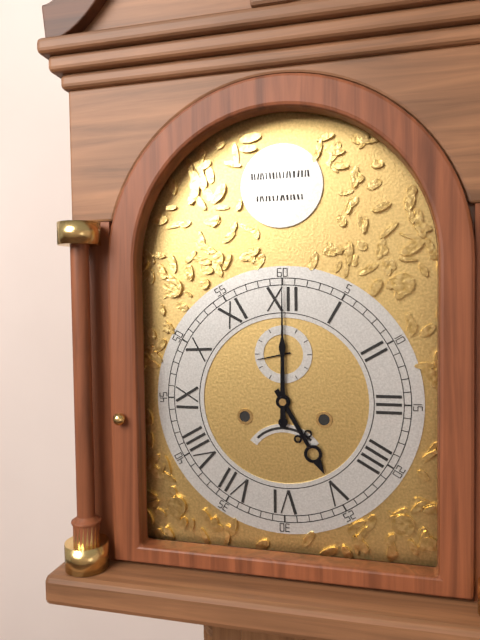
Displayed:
h=5 m=0
